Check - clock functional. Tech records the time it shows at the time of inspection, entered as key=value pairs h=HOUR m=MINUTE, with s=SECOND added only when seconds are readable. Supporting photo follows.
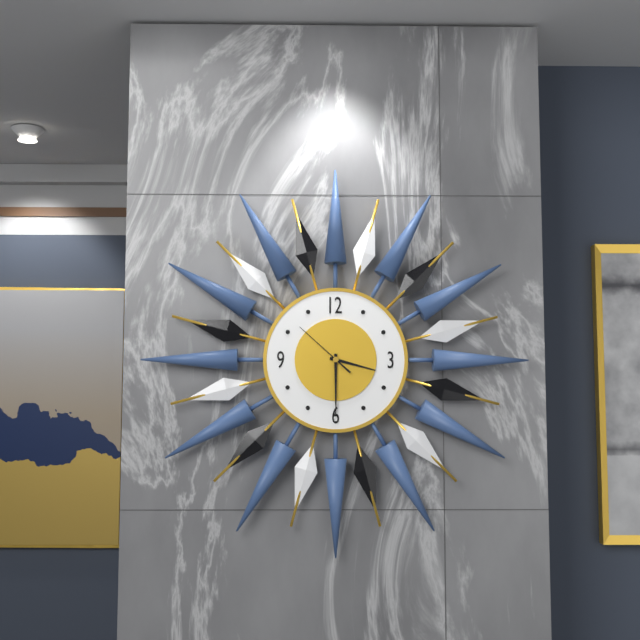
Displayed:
h=3 m=30 s=52
